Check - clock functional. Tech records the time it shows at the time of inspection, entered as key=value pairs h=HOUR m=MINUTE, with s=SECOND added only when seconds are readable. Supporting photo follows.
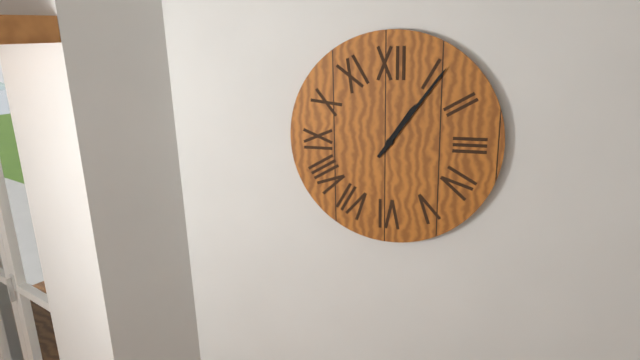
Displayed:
h=1 m=6
